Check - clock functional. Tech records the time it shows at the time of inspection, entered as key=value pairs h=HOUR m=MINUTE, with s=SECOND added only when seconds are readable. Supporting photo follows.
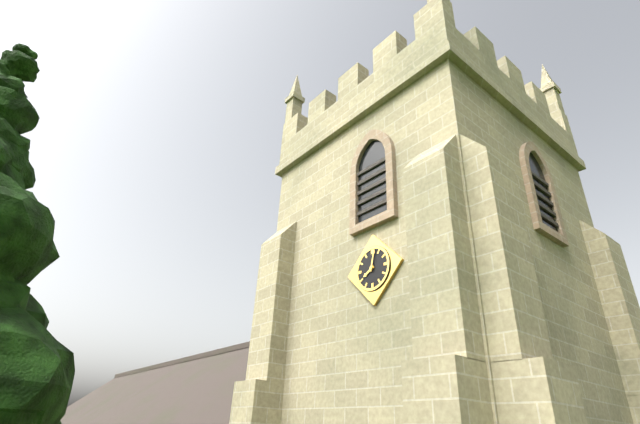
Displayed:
h=8 m=2
